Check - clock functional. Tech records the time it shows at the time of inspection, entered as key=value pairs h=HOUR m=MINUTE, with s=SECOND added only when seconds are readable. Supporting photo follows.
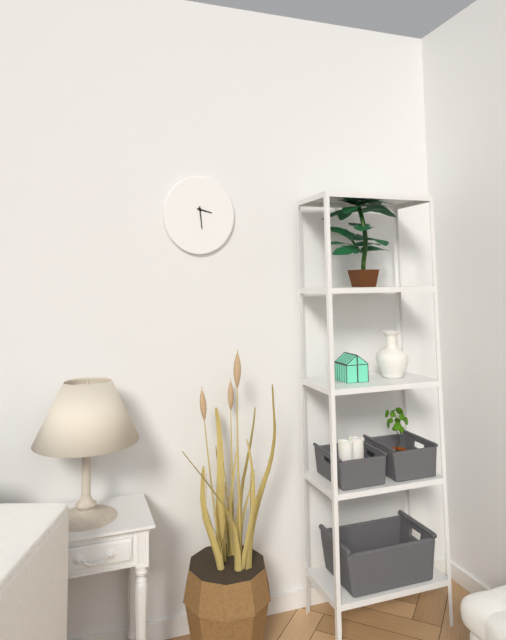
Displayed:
h=3 m=29
